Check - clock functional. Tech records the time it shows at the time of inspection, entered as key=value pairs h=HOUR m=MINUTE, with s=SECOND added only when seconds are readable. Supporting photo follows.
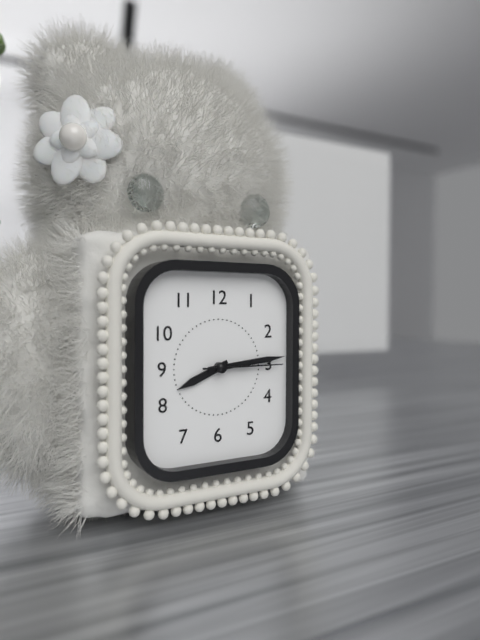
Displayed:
h=8 m=14 s=15
